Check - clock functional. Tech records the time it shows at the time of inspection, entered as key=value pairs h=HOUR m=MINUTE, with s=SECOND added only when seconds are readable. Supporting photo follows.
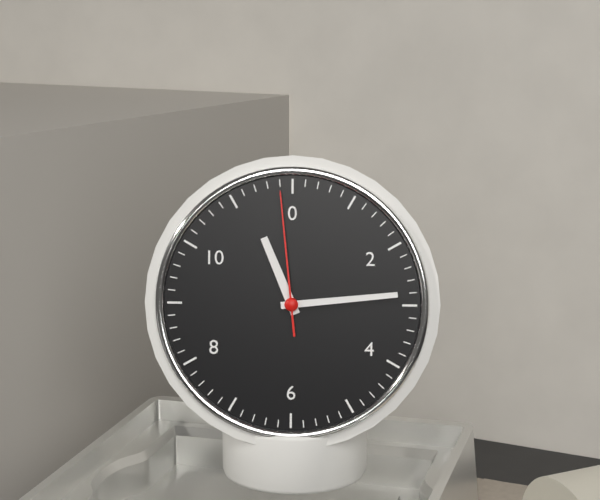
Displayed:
h=11 m=14 s=59
